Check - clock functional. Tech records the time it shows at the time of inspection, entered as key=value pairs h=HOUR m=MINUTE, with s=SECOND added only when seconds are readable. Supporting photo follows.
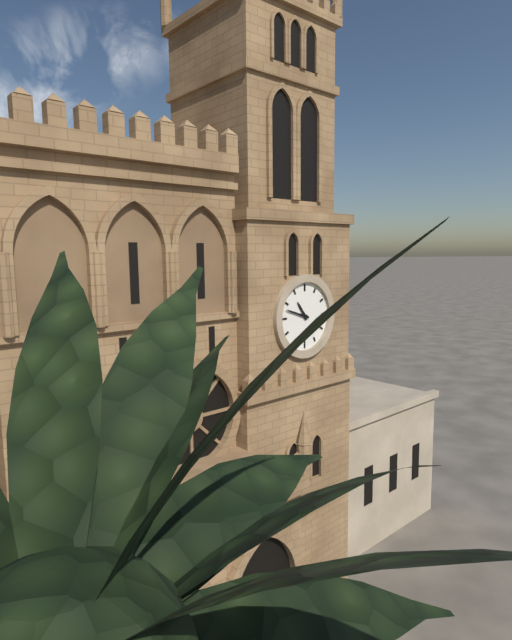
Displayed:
h=10 m=48
